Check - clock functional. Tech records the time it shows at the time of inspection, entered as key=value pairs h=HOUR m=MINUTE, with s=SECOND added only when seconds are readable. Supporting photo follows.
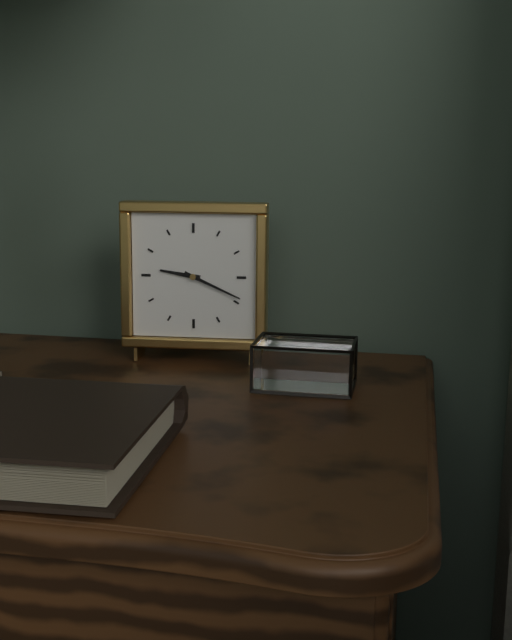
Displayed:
h=9 m=19
